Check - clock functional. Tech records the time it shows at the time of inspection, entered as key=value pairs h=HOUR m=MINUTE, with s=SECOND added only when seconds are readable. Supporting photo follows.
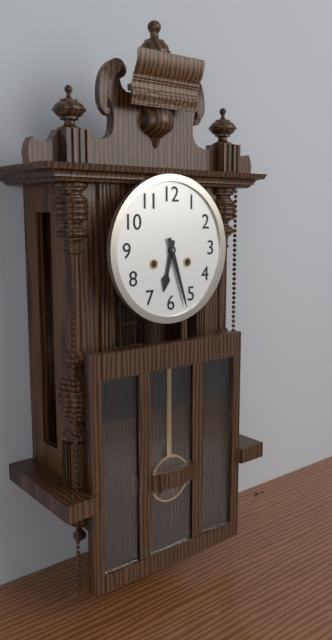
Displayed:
h=6 m=27
